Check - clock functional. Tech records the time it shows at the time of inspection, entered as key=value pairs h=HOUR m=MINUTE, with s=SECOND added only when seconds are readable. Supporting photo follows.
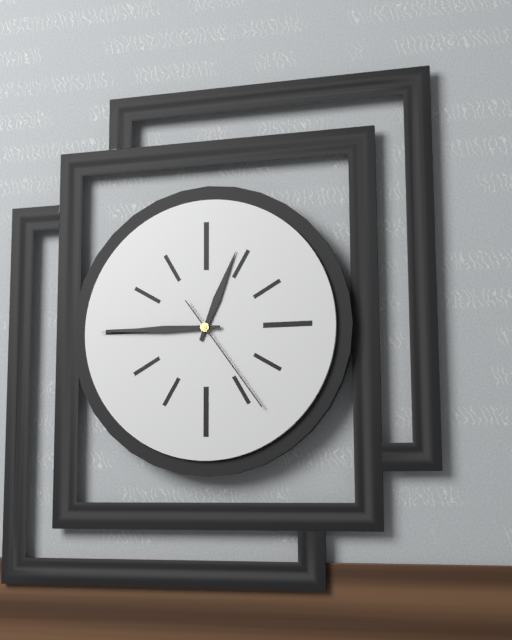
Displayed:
h=12 m=45 s=24
